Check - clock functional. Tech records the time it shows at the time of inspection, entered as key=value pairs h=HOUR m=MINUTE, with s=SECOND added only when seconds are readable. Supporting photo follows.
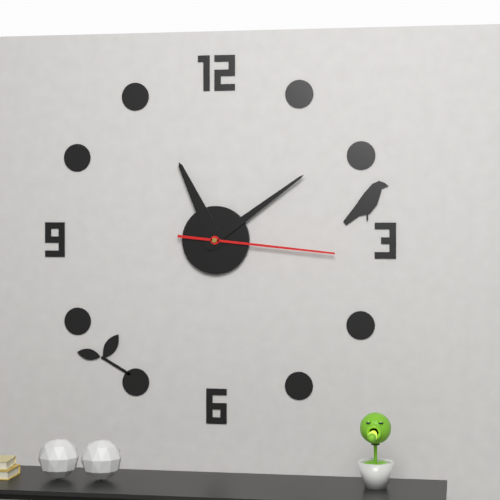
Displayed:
h=11 m=9 s=16
